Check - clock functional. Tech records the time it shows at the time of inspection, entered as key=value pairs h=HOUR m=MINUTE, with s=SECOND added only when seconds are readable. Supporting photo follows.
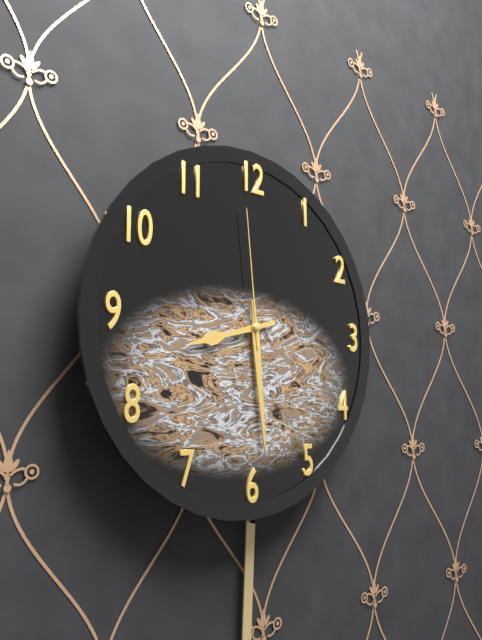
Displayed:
h=8 m=29 s=59
